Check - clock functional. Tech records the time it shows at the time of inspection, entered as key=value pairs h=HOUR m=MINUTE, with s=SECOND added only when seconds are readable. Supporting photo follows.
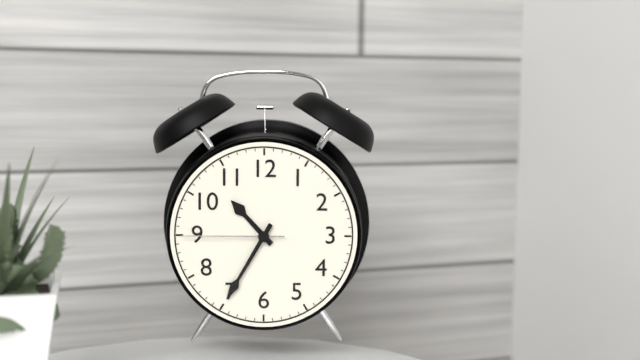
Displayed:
h=10 m=35 s=45
